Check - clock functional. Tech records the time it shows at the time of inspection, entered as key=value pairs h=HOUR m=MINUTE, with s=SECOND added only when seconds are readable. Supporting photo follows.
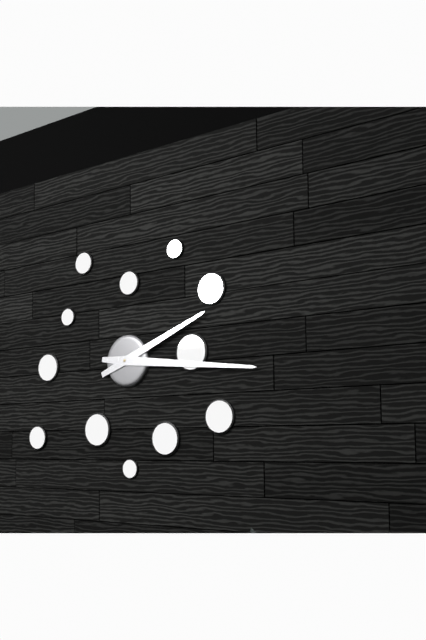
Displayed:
h=2 m=16
